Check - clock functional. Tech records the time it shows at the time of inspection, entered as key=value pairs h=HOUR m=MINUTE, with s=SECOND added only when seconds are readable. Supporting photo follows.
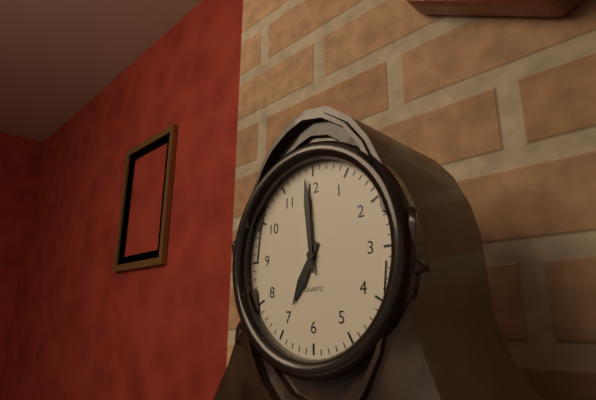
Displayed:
h=6 m=59
